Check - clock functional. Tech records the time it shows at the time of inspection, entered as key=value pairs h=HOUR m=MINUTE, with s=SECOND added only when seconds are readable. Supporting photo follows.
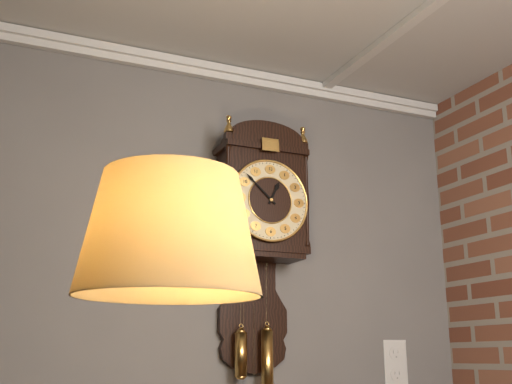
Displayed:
h=12 m=52
